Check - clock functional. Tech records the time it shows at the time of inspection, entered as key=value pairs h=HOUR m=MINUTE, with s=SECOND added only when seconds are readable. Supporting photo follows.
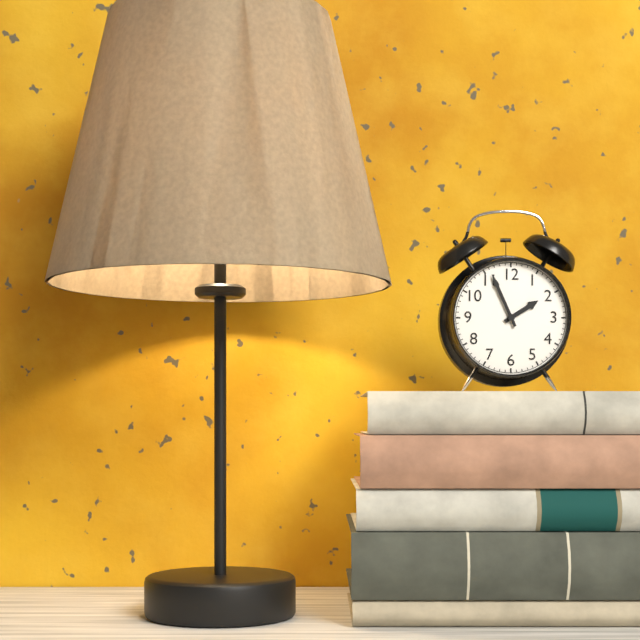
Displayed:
h=1 m=56
